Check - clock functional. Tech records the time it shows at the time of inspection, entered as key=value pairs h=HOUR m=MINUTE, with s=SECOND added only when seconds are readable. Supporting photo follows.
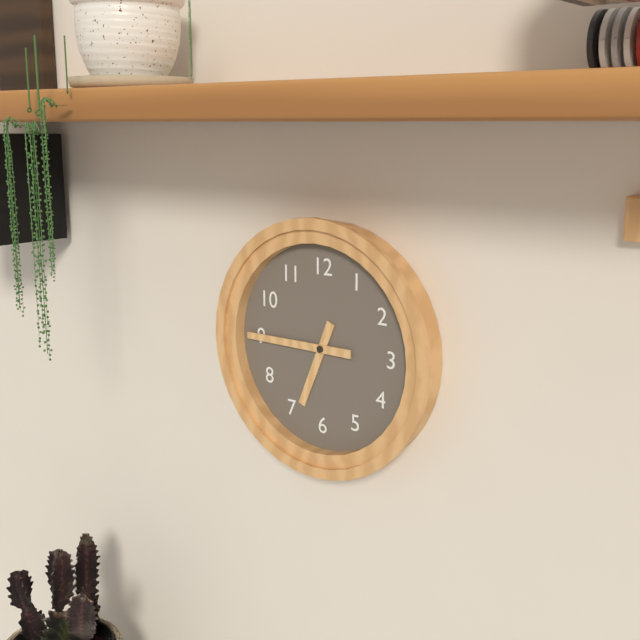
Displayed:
h=6 m=45
